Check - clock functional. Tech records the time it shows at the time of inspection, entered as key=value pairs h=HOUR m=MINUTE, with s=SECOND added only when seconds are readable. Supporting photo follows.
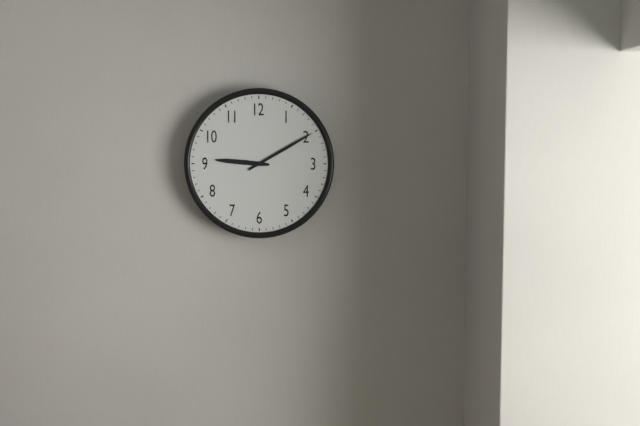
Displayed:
h=9 m=10
